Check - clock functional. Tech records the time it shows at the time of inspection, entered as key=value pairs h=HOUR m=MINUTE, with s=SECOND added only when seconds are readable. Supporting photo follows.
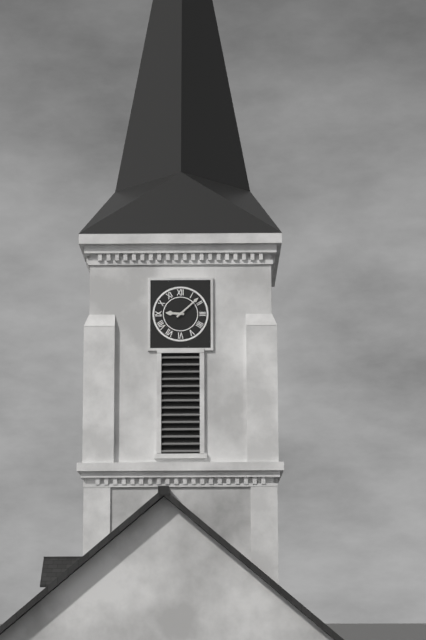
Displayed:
h=9 m=8
